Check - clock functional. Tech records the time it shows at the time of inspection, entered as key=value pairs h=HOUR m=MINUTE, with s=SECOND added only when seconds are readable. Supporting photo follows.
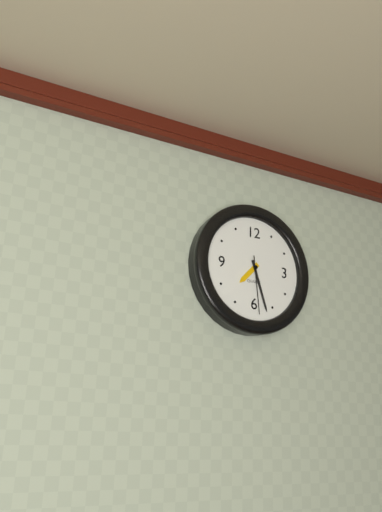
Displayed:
h=7 m=27 s=29
